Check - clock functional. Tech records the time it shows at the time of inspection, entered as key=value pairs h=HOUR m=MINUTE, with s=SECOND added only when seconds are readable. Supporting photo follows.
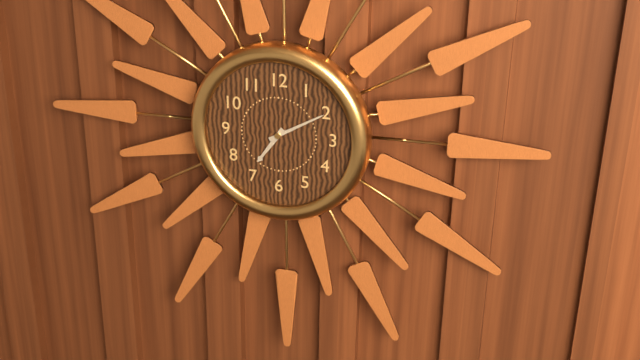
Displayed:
h=7 m=10
